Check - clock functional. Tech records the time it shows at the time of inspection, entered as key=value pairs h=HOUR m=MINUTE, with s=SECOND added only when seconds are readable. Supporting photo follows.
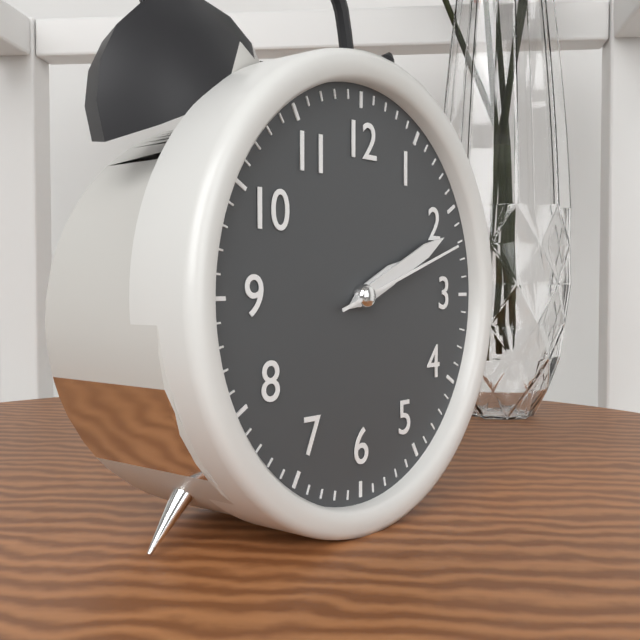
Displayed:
h=2 m=11 s=12
